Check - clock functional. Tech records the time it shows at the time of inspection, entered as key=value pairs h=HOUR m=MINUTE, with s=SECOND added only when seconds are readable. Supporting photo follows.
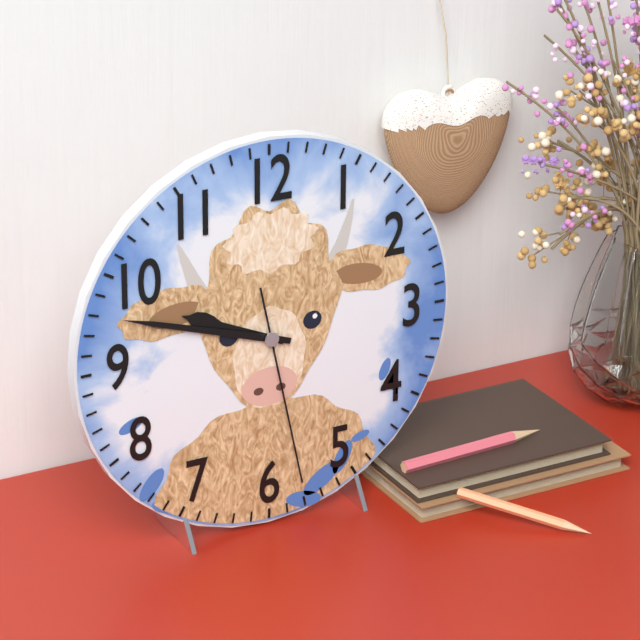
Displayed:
h=9 m=48 s=28
